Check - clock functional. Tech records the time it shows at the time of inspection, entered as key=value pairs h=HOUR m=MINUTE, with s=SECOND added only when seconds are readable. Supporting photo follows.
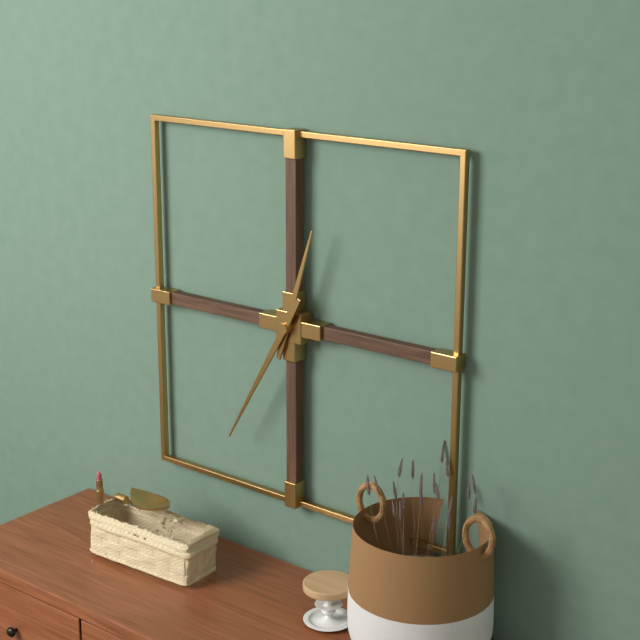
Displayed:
h=12 m=35
